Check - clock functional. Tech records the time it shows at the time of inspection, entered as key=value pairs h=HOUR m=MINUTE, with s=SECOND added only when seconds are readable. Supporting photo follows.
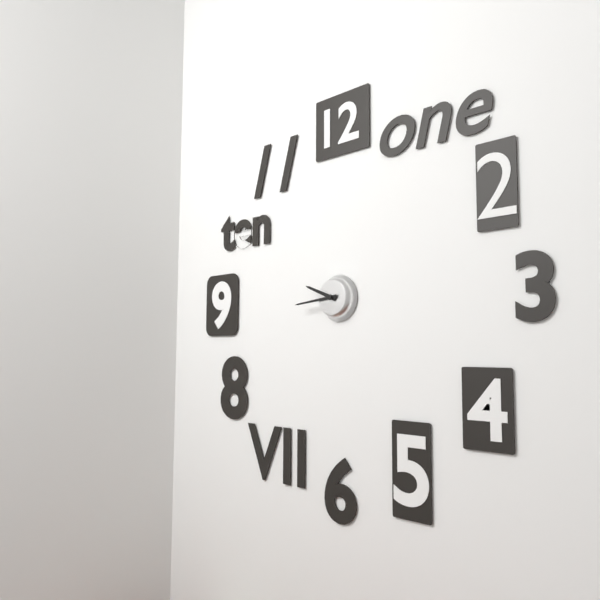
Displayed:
h=9 m=44
